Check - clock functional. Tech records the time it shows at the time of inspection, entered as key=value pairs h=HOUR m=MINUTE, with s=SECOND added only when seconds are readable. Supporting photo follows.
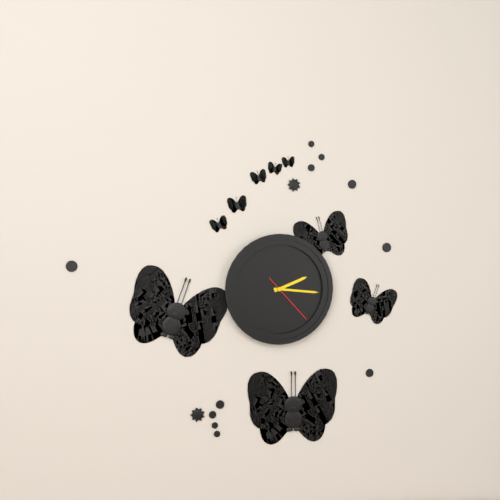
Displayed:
h=2 m=16 s=23
